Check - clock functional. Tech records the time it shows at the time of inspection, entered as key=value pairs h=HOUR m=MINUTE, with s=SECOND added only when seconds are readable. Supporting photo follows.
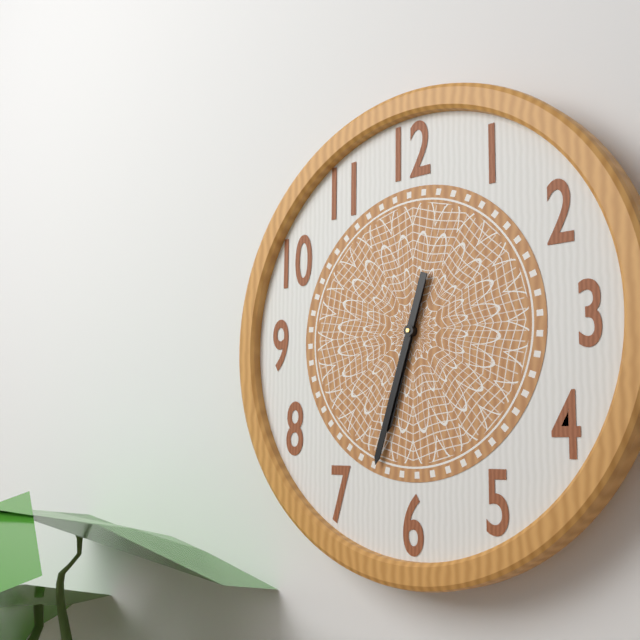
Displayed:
h=6 m=33
